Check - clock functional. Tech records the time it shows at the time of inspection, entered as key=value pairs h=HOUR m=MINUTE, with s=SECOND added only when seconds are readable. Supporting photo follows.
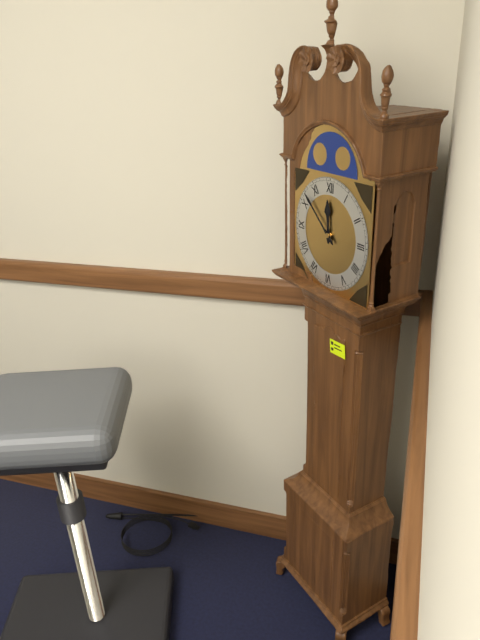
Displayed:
h=11 m=52
